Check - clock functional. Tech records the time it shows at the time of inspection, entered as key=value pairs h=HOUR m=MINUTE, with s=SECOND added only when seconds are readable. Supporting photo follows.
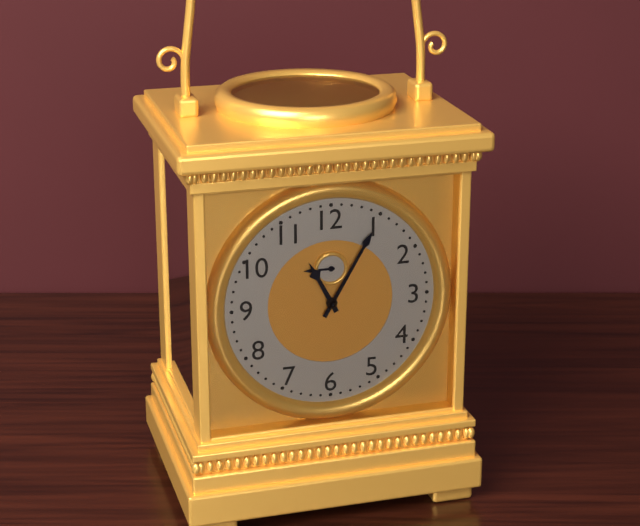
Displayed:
h=11 m=5
